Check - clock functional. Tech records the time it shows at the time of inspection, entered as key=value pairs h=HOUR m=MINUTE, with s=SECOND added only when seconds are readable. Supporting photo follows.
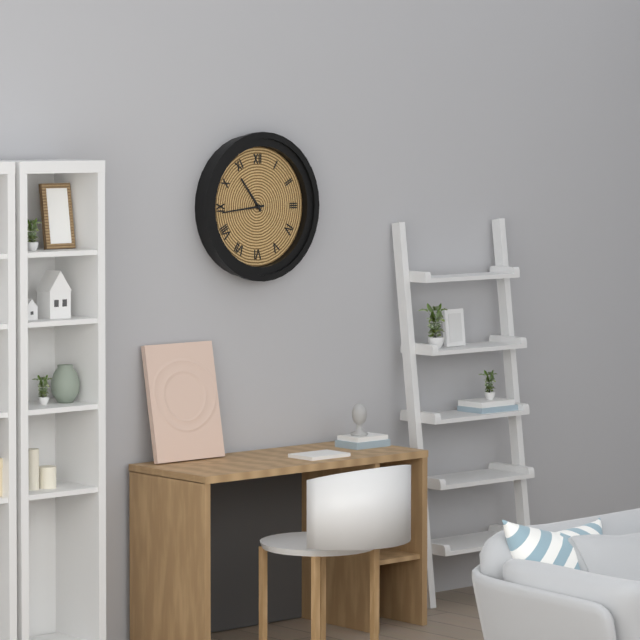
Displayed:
h=10 m=44
